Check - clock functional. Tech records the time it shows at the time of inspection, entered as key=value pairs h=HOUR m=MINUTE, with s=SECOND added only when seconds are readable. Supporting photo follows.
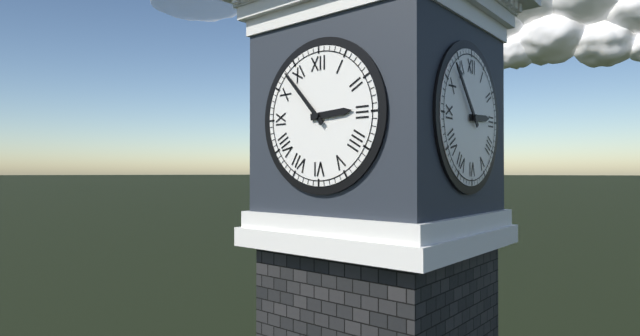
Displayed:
h=2 m=53
